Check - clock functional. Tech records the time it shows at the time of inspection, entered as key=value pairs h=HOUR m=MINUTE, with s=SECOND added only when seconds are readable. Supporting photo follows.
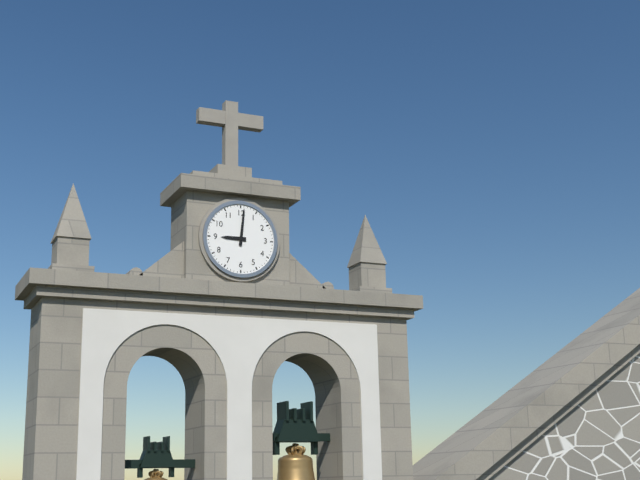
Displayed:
h=9 m=1
